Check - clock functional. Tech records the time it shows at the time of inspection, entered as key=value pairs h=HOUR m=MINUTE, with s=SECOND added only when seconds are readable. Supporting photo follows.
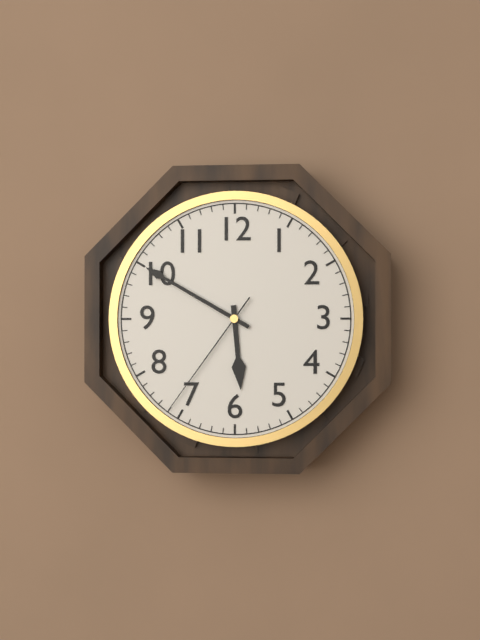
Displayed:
h=5 m=50 s=36
